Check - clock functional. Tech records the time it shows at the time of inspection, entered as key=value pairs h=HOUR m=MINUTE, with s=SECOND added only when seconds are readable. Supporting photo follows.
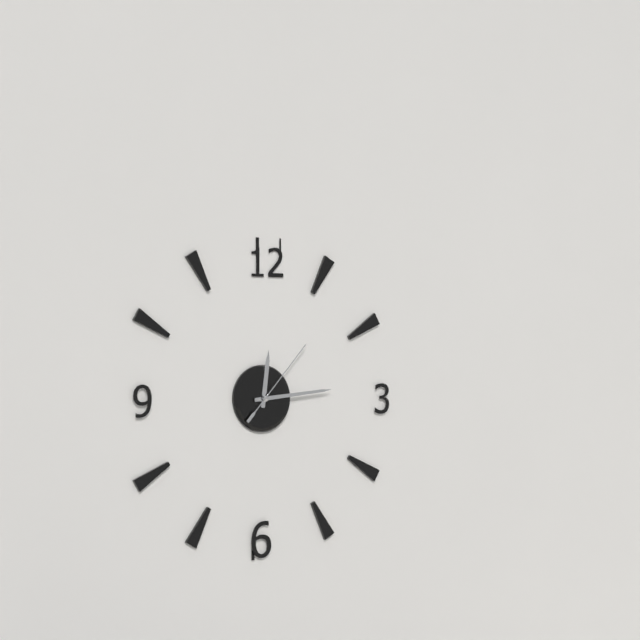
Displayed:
h=12 m=14 s=7
